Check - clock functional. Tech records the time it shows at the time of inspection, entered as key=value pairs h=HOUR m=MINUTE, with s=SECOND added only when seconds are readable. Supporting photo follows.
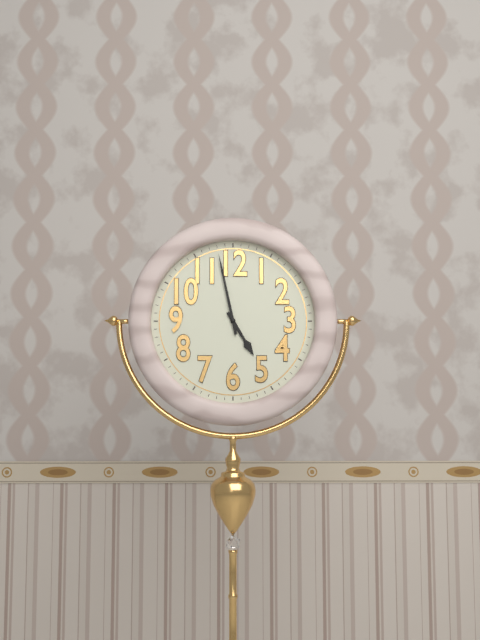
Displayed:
h=4 m=58
